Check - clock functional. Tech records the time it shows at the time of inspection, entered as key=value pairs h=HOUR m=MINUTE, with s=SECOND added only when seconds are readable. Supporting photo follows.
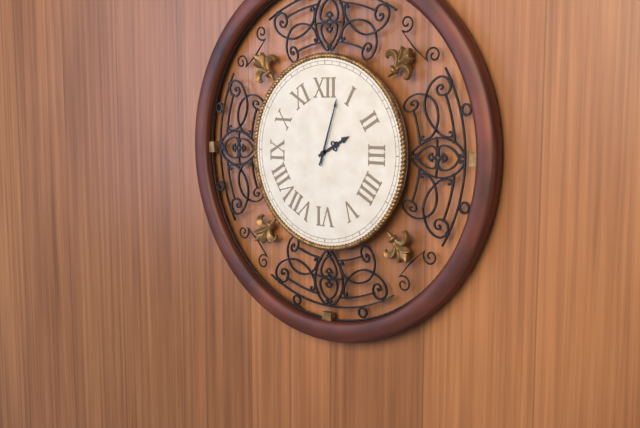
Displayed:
h=2 m=3
